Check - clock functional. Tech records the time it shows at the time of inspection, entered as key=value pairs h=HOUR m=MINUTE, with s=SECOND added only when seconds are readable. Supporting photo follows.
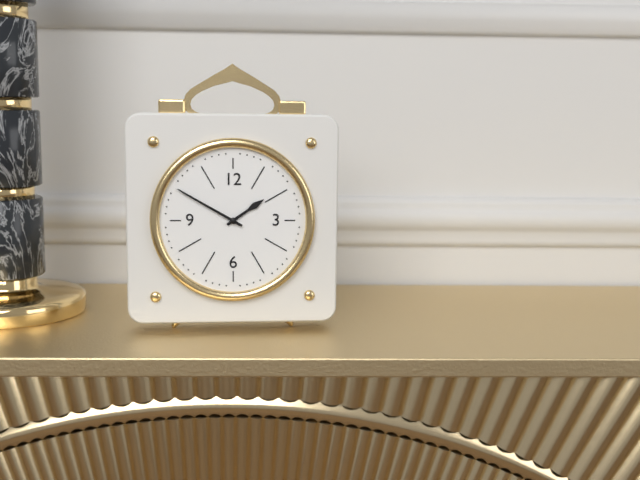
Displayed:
h=1 m=50
